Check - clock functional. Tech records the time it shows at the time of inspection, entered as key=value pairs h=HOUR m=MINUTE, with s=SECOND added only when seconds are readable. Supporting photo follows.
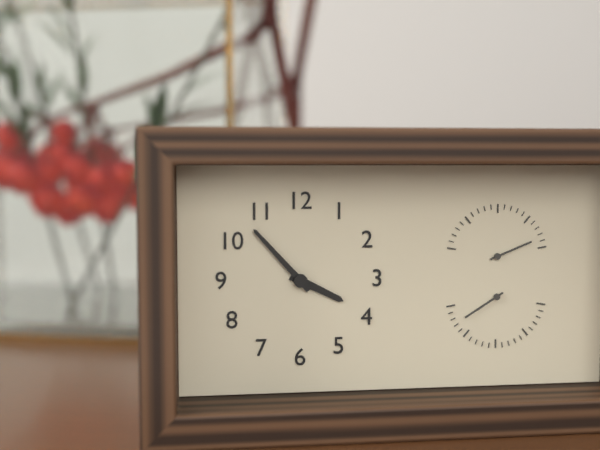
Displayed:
h=3 m=53
